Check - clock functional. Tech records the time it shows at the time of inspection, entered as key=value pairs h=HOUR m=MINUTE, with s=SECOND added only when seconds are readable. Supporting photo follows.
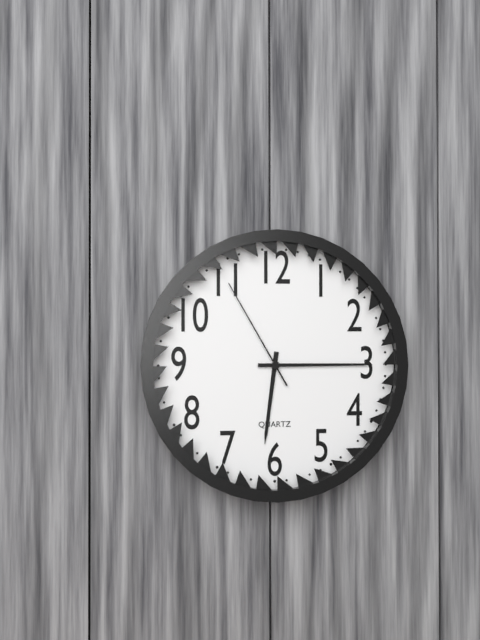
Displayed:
h=6 m=15 s=55
